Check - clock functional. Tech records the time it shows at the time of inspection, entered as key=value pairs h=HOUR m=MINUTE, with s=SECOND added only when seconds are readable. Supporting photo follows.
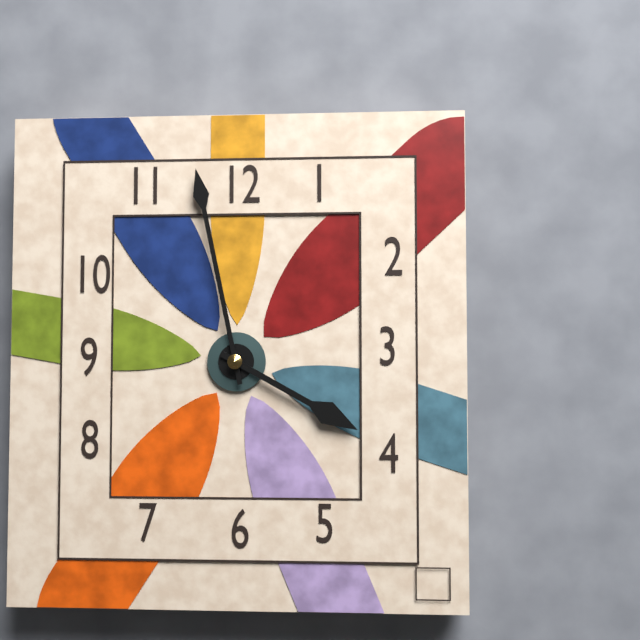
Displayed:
h=3 m=58
